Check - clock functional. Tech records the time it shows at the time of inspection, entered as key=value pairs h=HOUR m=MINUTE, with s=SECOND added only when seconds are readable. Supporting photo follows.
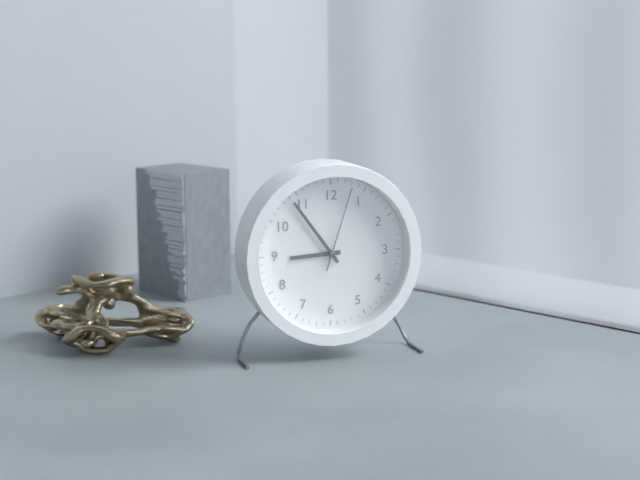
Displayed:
h=8 m=54 s=3
